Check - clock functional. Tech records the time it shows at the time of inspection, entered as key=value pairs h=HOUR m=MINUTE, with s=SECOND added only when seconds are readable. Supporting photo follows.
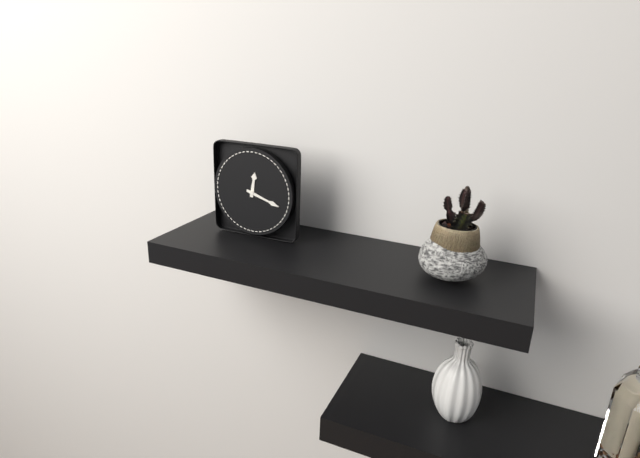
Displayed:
h=12 m=18
